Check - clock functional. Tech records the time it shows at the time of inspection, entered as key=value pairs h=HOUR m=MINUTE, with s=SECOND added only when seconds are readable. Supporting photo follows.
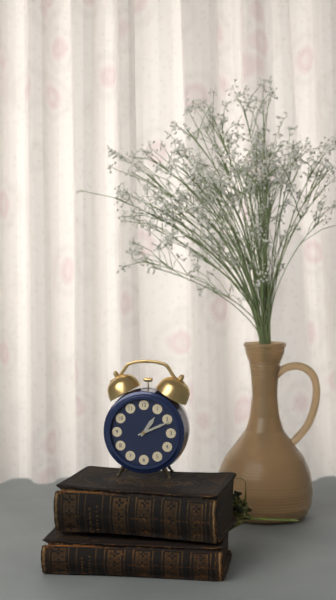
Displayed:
h=1 m=11
